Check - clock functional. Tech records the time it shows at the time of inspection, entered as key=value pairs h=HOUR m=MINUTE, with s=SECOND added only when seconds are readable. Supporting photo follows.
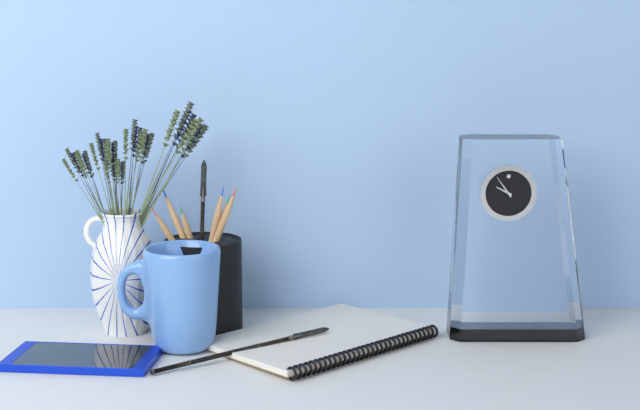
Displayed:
h=9 m=54
